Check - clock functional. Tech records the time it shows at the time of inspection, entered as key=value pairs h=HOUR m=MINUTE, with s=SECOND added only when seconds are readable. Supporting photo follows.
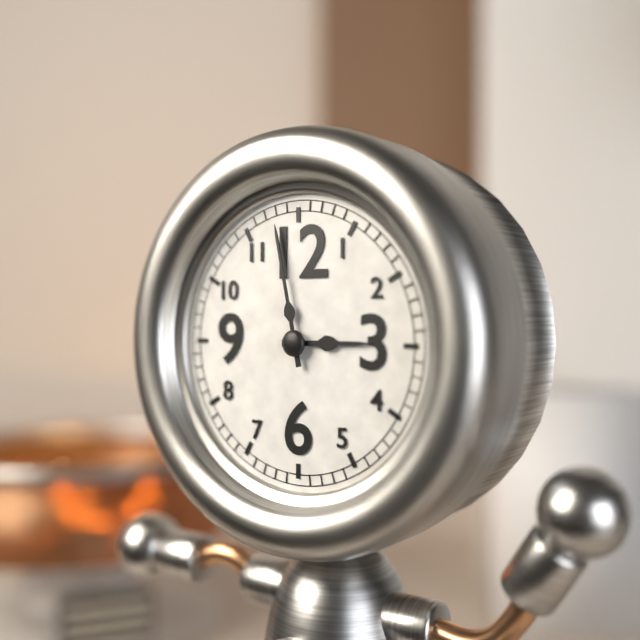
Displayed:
h=2 m=58
